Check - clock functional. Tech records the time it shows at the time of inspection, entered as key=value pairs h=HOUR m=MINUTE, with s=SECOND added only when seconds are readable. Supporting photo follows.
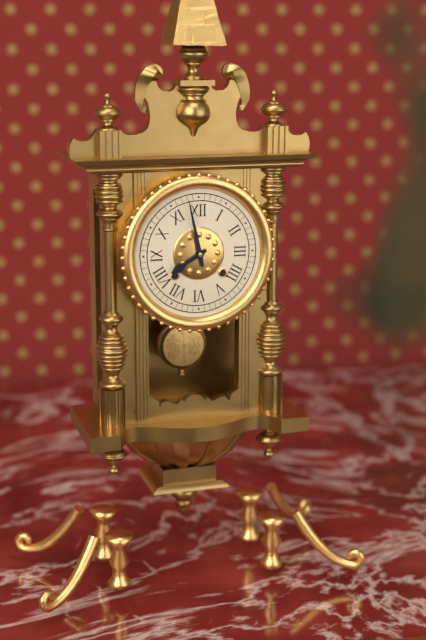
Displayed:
h=7 m=58
